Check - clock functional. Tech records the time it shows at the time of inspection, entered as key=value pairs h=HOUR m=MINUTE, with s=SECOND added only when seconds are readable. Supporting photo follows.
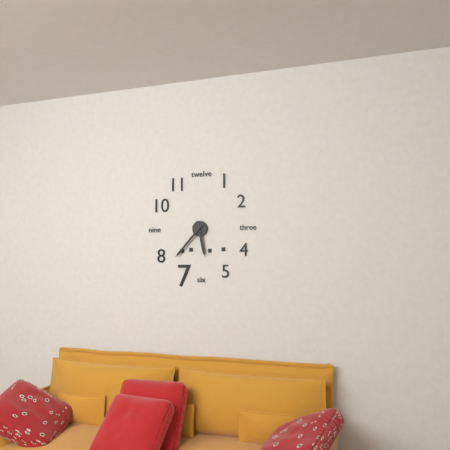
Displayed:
h=5 m=37
